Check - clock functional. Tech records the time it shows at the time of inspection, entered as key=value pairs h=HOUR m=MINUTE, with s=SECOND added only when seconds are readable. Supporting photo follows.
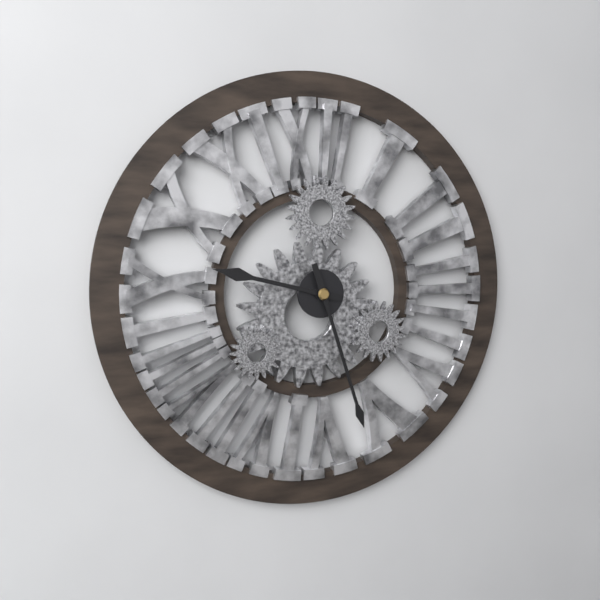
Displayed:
h=9 m=27
